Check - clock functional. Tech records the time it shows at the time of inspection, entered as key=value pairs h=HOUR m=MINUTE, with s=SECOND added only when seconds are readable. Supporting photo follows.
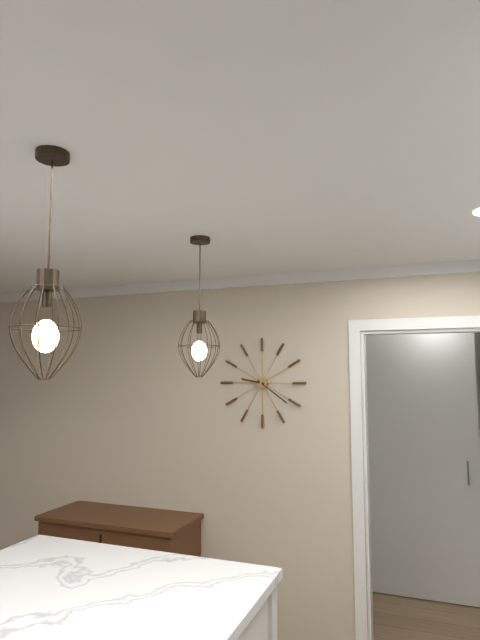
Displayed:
h=9 m=21
